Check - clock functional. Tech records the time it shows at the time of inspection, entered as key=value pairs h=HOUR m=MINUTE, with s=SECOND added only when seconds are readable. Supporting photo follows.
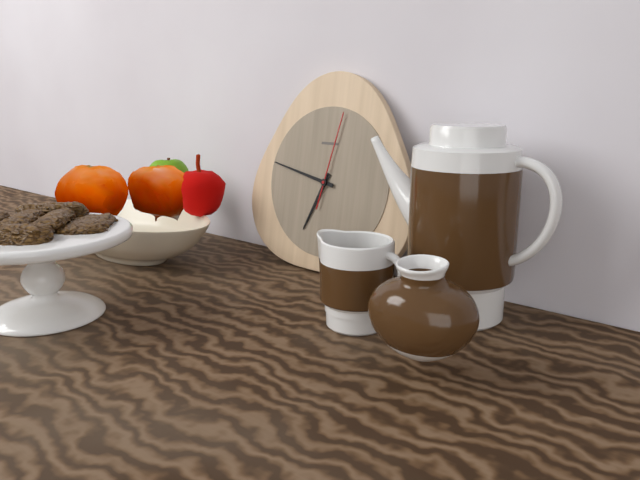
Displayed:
h=6 m=47 s=2
